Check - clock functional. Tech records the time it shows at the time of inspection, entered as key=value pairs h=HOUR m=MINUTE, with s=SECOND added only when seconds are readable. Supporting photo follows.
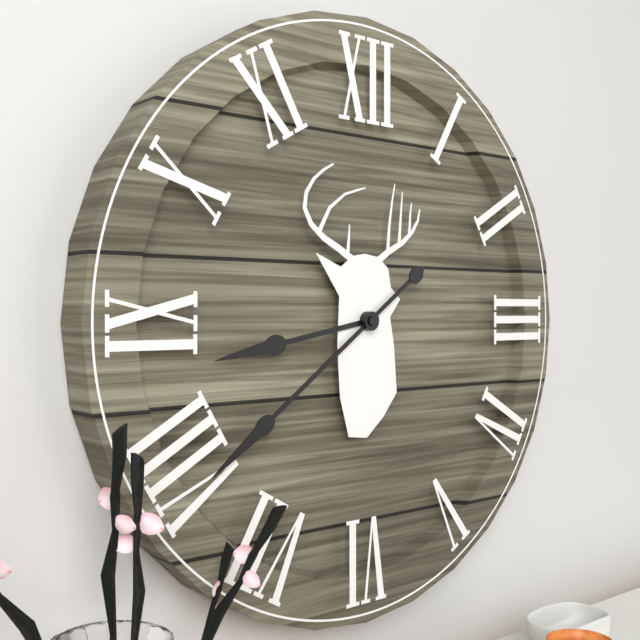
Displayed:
h=8 m=39
